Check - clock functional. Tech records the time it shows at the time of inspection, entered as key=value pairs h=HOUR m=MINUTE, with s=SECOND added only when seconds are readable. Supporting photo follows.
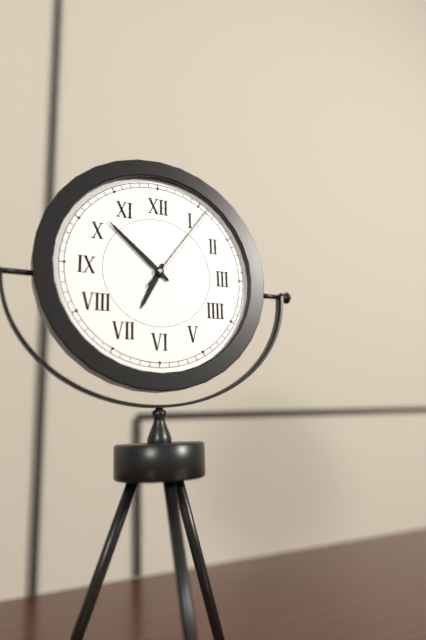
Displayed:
h=6 m=52 s=6
